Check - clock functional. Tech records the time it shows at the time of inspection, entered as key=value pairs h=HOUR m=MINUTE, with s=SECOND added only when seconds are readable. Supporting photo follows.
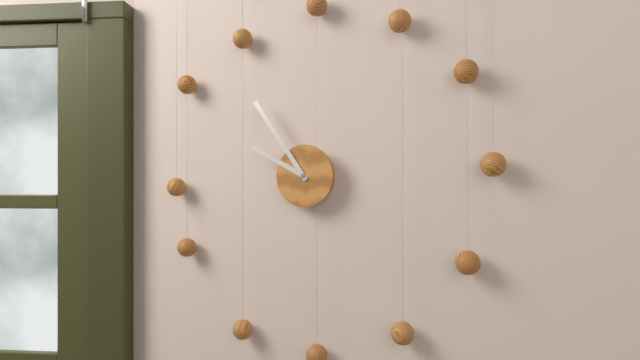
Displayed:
h=9 m=54
